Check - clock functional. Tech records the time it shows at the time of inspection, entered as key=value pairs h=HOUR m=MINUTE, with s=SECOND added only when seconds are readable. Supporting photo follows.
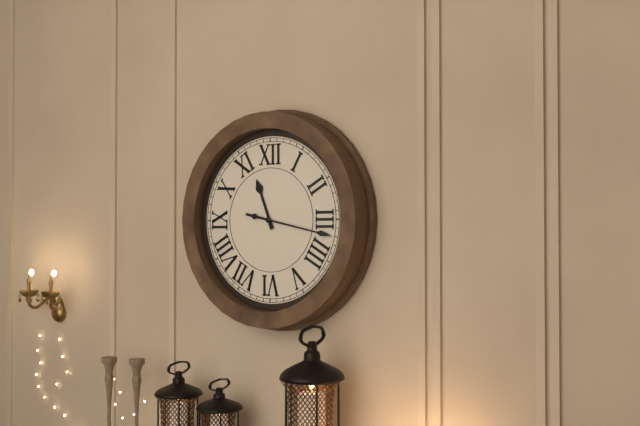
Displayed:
h=11 m=17
